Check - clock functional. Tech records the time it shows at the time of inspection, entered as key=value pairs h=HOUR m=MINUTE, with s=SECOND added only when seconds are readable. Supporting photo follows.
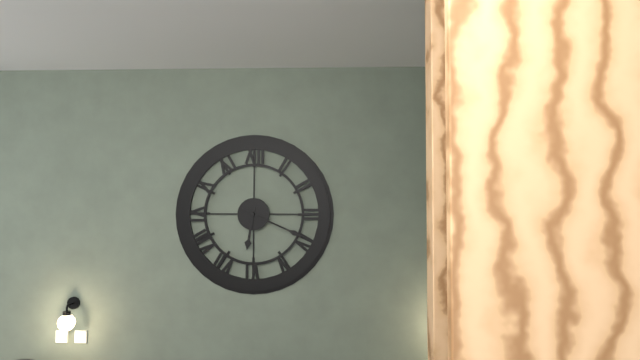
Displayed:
h=6 m=19
